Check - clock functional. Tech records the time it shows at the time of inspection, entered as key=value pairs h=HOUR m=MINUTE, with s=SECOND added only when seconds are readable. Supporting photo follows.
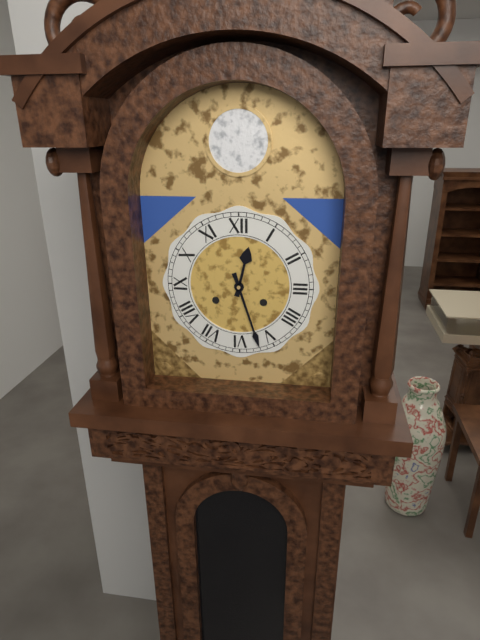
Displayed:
h=12 m=27
